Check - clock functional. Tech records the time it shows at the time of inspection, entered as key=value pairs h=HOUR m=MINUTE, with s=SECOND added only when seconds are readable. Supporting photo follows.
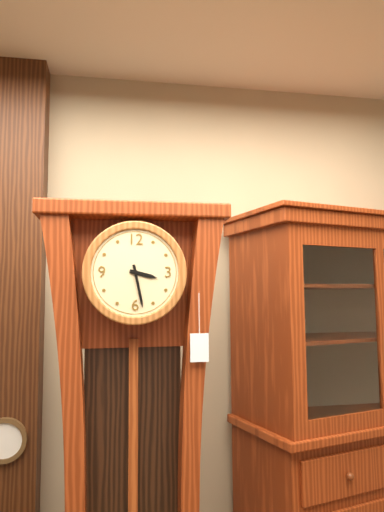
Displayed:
h=3 m=28
